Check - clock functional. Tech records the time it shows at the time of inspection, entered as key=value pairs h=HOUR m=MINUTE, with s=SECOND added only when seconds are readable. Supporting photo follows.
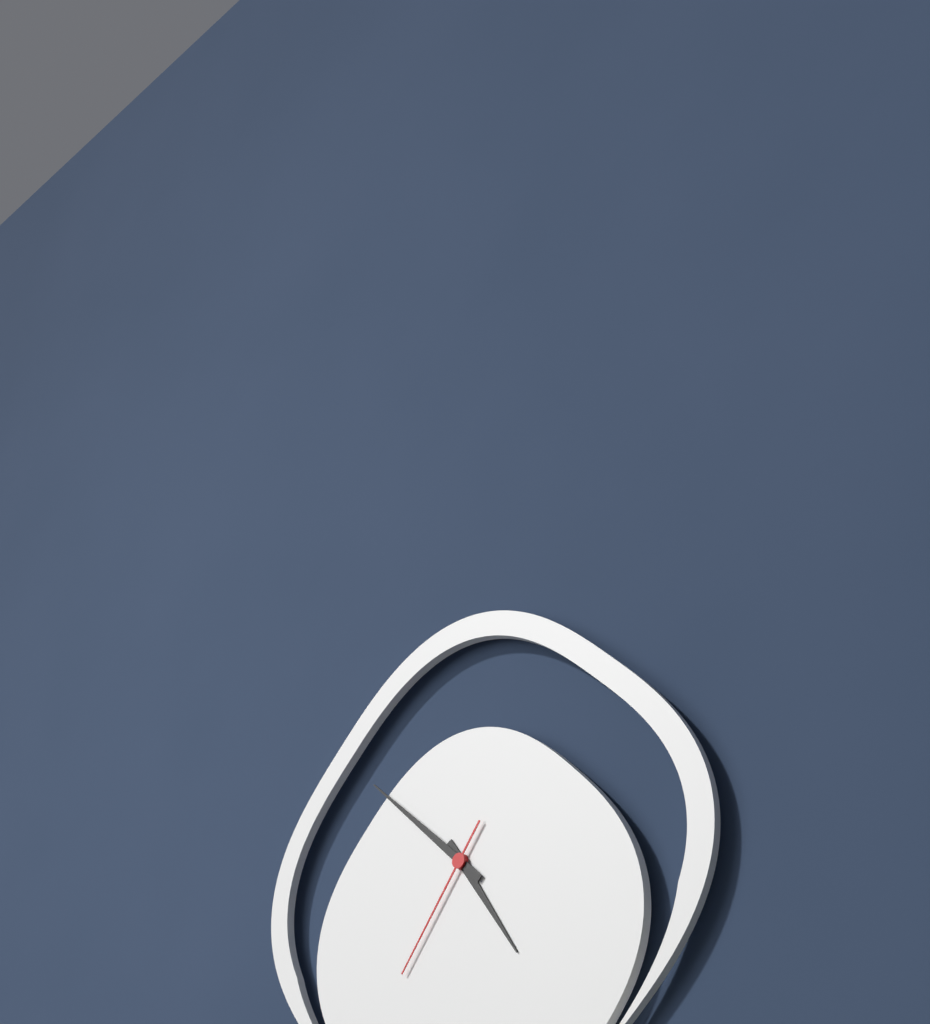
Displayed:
h=4 m=52 s=36
